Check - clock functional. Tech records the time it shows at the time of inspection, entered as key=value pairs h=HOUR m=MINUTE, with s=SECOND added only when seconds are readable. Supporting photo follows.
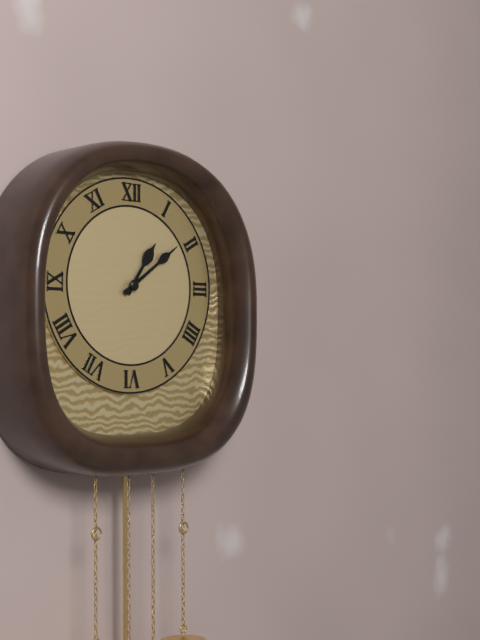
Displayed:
h=1 m=9
